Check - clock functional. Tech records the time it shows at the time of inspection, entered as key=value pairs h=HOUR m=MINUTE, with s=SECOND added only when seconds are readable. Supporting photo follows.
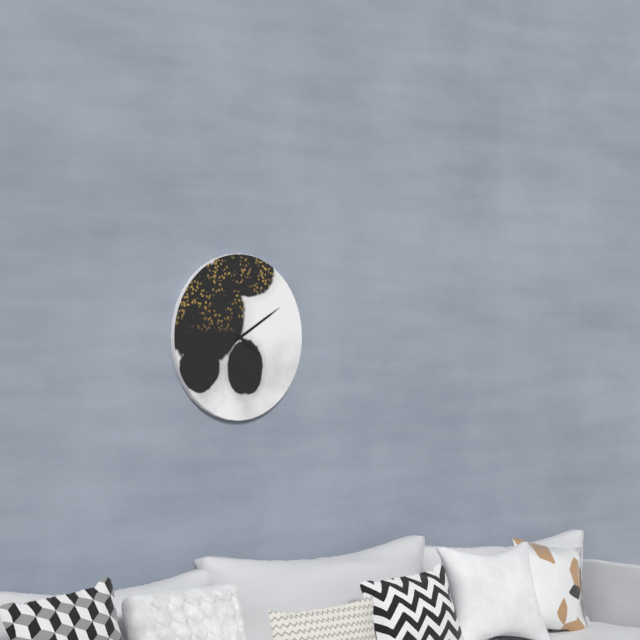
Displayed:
h=4 m=10
